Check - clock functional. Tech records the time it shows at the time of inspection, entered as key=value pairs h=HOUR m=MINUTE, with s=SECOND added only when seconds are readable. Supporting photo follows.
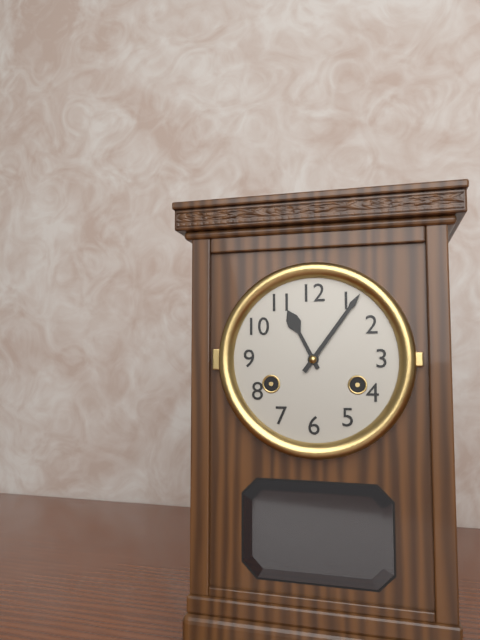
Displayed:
h=11 m=6
